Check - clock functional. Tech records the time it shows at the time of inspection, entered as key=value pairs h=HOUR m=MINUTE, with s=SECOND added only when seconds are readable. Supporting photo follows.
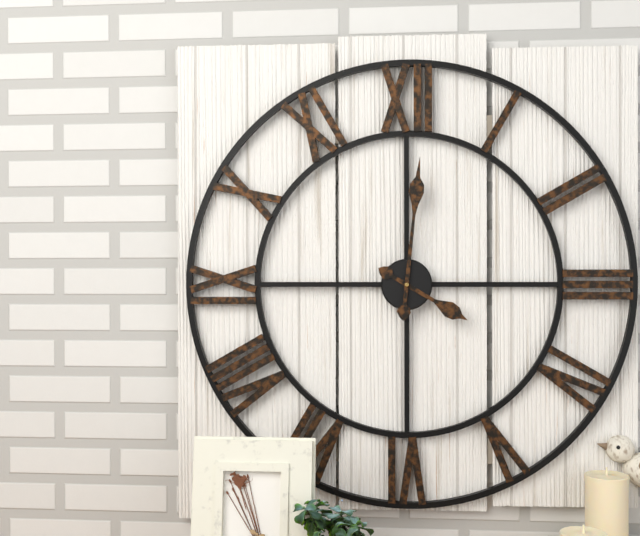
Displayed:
h=4 m=1
